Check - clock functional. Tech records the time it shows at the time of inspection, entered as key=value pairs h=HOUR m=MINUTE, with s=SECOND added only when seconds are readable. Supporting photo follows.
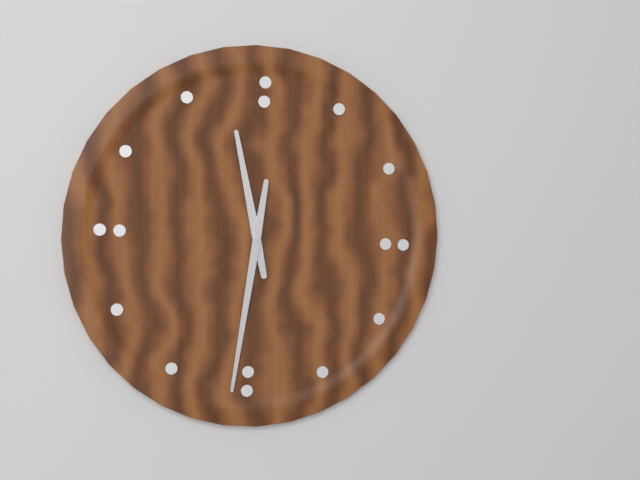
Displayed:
h=11 m=31
